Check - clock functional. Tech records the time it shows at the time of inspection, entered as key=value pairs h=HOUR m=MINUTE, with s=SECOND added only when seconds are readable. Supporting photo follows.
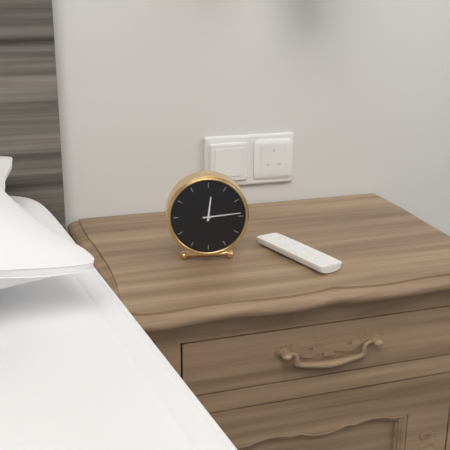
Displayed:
h=12 m=14
